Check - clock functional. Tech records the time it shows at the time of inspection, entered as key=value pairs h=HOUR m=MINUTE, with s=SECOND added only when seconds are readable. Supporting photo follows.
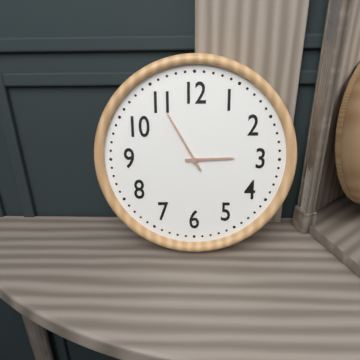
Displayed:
h=2 m=55
